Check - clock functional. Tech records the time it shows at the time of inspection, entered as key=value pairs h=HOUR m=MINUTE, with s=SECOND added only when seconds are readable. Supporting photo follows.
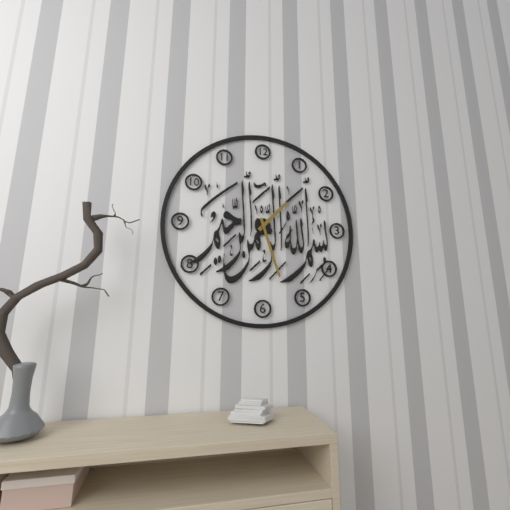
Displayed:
h=1 m=27
